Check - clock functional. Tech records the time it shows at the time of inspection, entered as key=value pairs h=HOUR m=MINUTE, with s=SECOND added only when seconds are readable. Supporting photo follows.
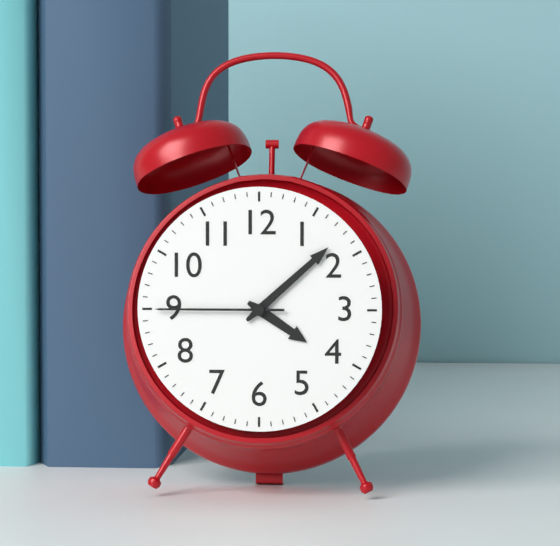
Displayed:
h=4 m=8 s=45
